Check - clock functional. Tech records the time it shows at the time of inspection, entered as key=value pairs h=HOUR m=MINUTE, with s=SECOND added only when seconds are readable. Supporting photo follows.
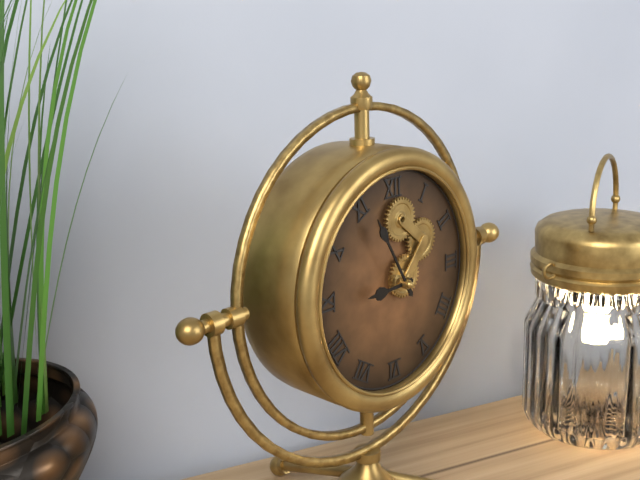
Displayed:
h=8 m=55
